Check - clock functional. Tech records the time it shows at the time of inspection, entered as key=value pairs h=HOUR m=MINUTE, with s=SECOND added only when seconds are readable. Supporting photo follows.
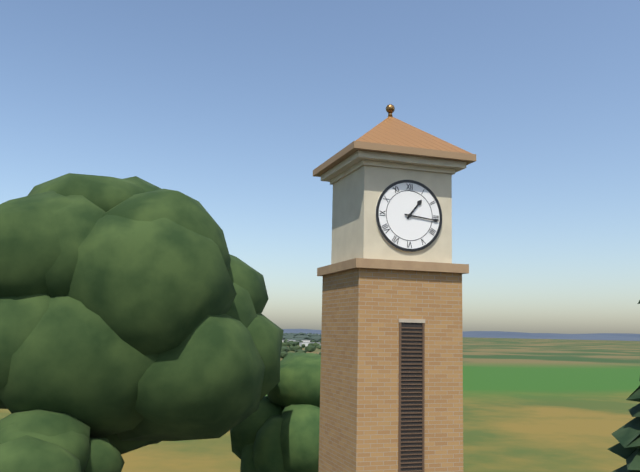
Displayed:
h=1 m=16
